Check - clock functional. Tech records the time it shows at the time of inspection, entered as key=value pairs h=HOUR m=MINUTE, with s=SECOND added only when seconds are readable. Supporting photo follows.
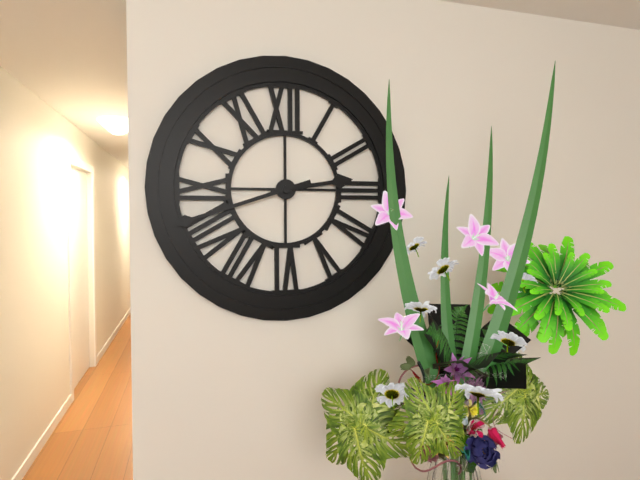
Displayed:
h=2 m=42
